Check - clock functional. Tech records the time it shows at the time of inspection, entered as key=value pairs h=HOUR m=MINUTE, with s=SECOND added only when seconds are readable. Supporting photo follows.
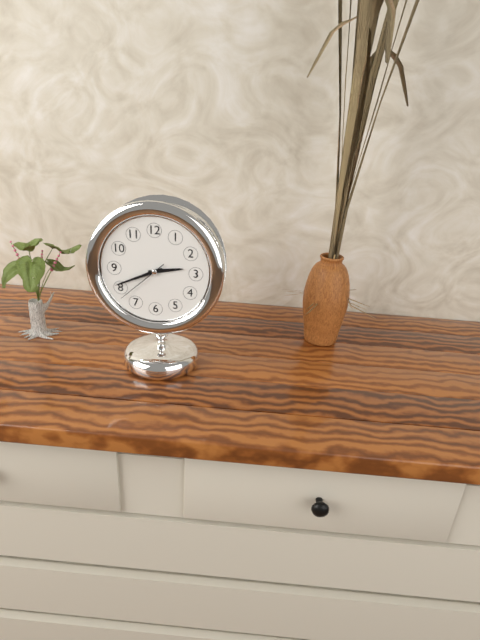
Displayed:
h=2 m=41 s=38
